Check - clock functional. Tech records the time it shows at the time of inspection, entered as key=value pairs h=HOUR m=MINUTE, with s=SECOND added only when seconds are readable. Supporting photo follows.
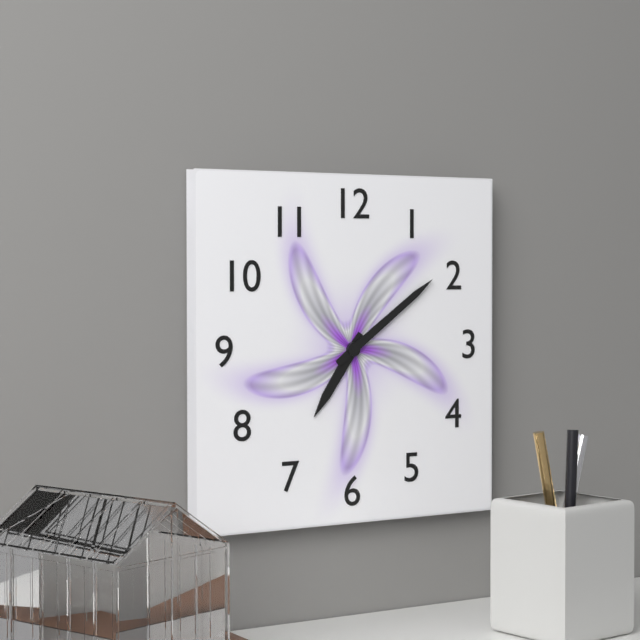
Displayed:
h=7 m=9
